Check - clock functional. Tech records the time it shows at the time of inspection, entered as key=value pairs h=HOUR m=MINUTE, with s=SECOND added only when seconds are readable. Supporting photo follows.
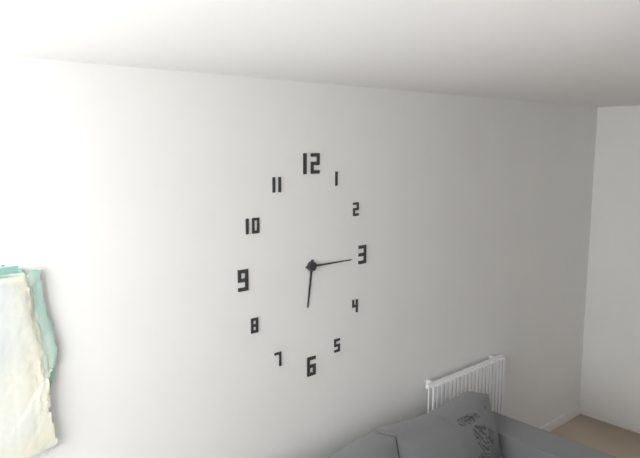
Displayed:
h=6 m=15
